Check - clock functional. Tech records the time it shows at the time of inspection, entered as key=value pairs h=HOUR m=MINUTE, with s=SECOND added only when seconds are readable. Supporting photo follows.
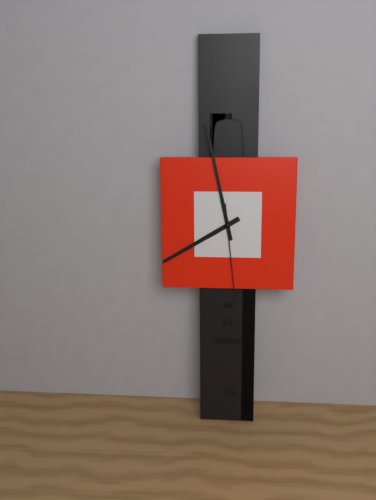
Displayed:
h=7 m=58 s=29
